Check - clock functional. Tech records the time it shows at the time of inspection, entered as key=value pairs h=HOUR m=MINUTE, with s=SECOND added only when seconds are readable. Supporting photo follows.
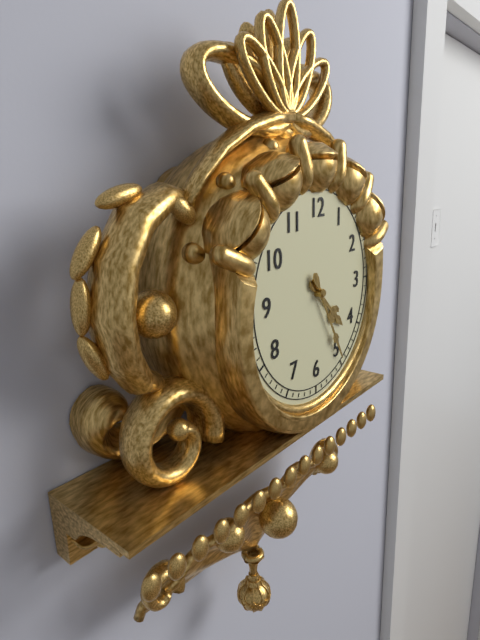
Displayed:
h=4 m=25
